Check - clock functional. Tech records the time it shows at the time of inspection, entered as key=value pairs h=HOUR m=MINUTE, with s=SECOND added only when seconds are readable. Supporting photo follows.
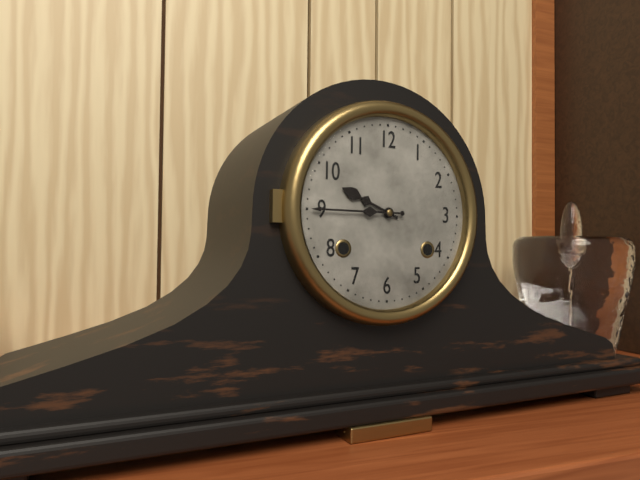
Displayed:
h=9 m=45
